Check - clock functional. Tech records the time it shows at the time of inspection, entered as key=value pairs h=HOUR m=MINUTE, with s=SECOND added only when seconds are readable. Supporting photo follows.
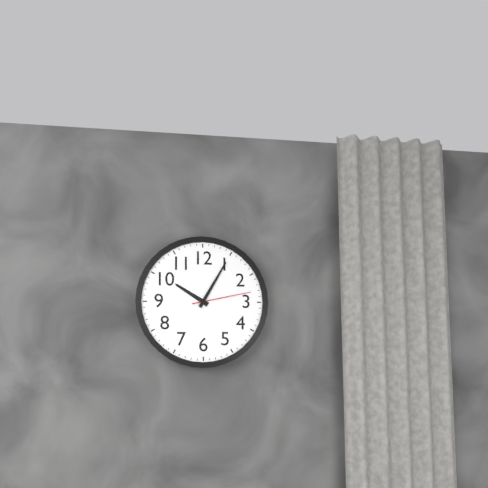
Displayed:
h=10 m=5 s=13
